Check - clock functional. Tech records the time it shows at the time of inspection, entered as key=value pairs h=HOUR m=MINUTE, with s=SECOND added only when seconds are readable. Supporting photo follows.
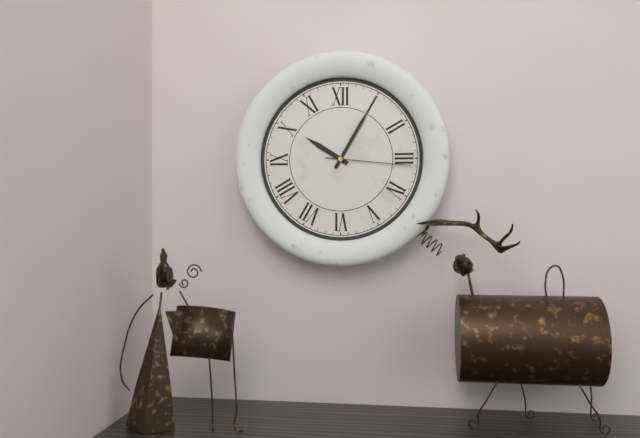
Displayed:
h=10 m=5 s=16
